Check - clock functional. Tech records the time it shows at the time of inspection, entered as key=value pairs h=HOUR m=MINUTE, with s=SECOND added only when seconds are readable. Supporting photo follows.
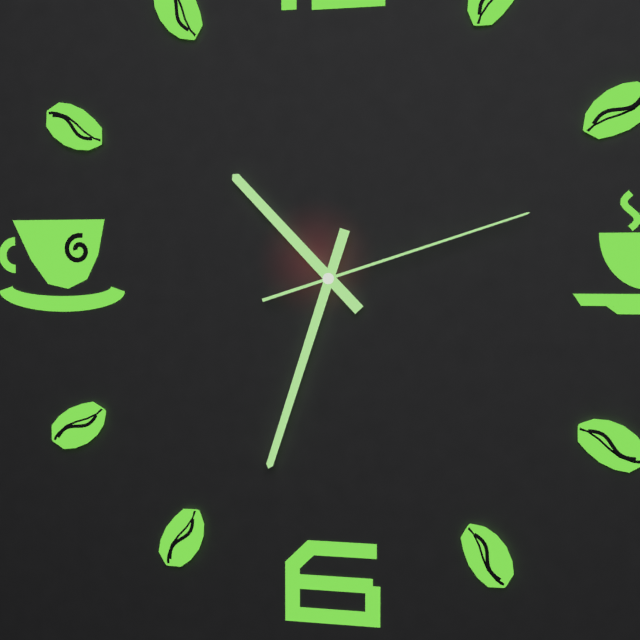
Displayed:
h=10 m=33 s=12
